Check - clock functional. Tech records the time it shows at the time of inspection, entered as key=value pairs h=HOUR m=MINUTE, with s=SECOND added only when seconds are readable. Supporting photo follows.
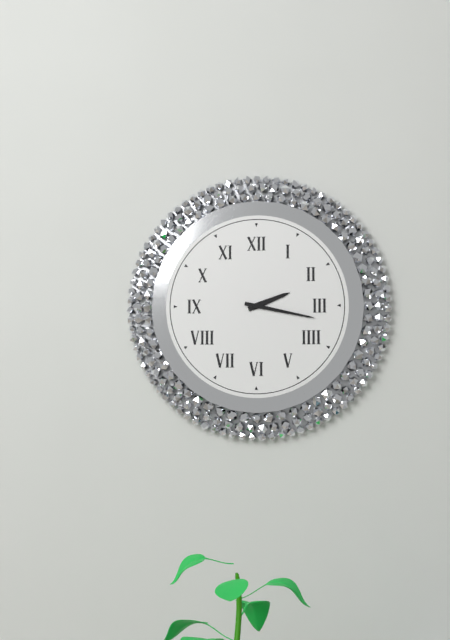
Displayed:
h=2 m=17
